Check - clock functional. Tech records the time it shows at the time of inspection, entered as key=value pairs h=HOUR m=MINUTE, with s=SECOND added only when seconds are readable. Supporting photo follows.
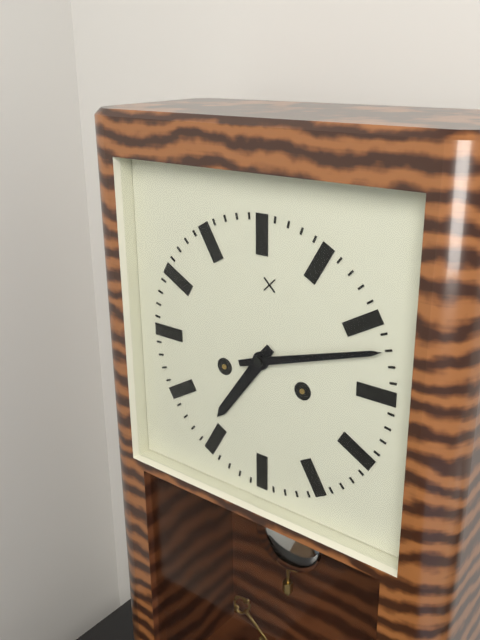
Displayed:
h=7 m=12
